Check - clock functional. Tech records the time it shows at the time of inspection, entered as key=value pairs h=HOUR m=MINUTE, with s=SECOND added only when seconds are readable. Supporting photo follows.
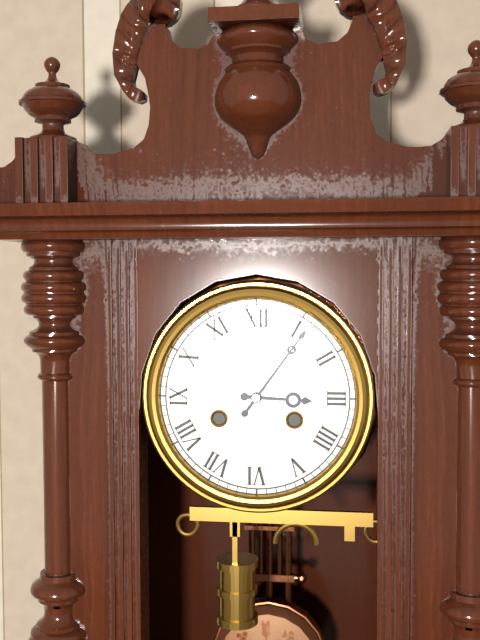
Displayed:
h=3 m=6
